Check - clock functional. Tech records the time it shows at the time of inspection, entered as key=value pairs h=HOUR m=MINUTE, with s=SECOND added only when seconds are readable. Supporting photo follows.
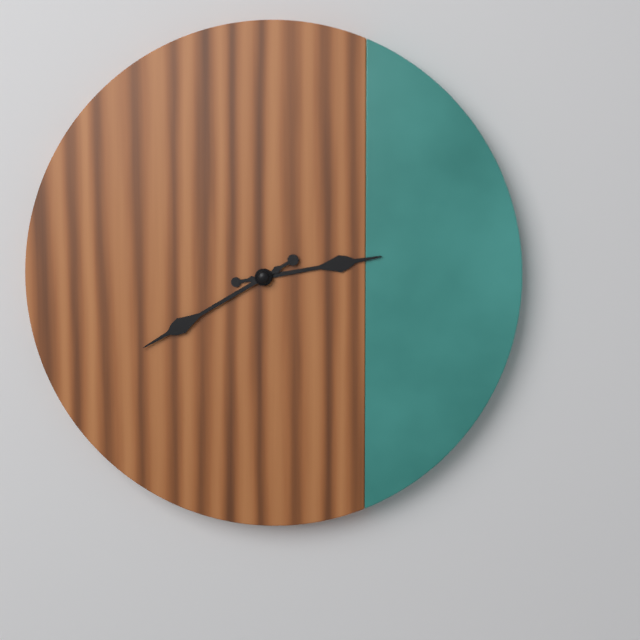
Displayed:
h=2 m=40
